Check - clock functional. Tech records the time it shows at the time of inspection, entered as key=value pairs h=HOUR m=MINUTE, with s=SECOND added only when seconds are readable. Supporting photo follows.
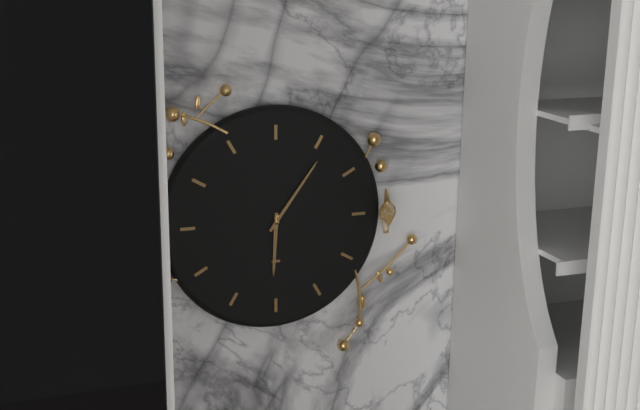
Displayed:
h=6 m=6
